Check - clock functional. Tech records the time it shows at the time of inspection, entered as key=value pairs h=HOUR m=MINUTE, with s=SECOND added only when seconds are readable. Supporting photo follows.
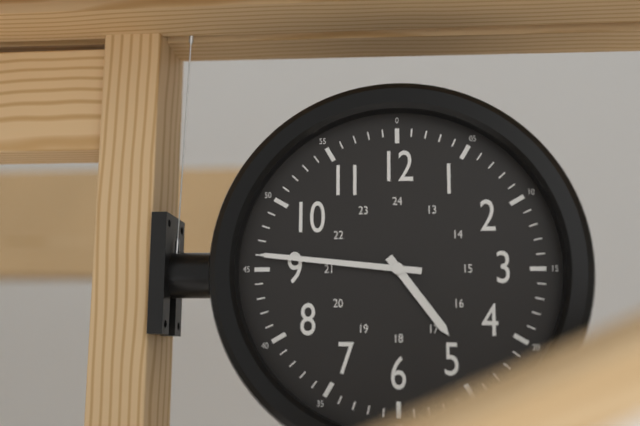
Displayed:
h=4 m=46
